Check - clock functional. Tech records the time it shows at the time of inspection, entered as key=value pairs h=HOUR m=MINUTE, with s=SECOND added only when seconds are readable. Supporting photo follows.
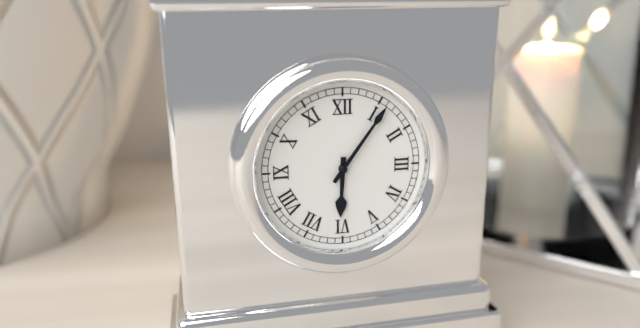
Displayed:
h=6 m=6
